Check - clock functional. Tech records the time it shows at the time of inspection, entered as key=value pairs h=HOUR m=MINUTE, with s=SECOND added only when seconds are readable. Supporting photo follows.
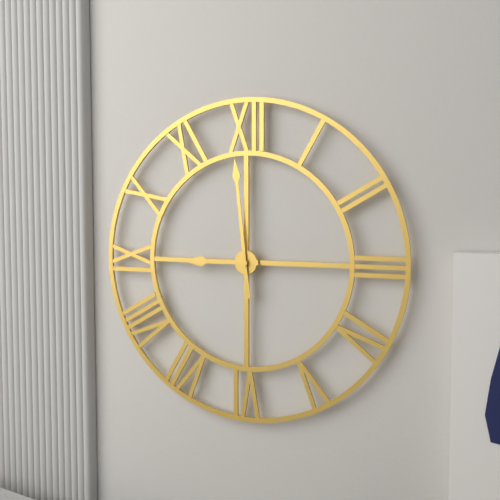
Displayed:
h=8 m=59
